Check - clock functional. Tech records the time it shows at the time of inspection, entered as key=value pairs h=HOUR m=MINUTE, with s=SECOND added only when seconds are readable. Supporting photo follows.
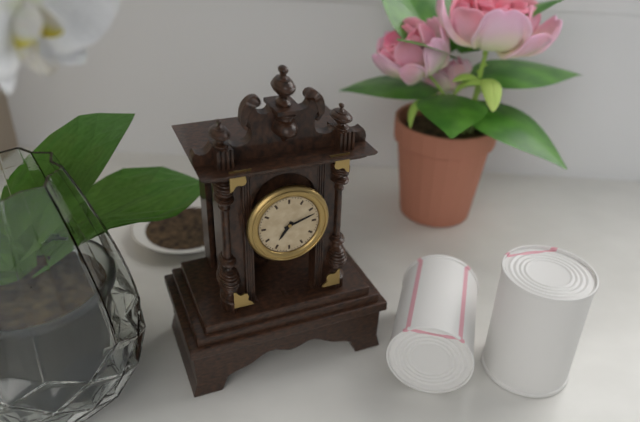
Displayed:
h=7 m=12
